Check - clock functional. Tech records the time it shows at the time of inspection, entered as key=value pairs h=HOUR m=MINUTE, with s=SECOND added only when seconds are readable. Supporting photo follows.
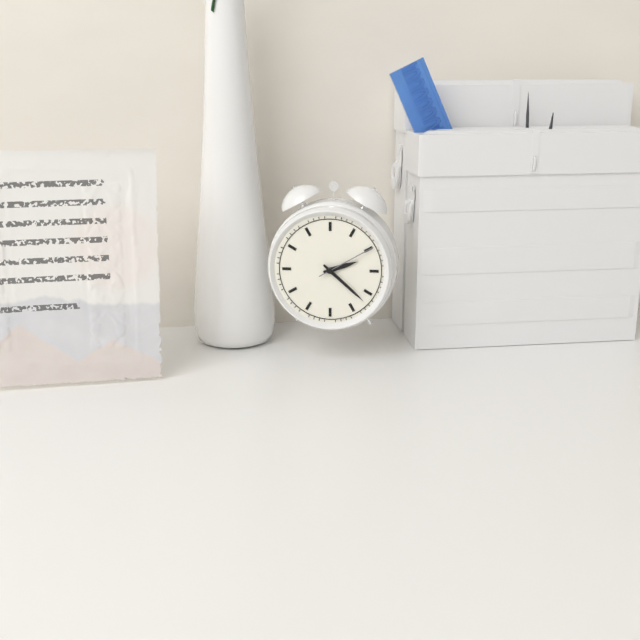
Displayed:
h=2 m=22 s=10
